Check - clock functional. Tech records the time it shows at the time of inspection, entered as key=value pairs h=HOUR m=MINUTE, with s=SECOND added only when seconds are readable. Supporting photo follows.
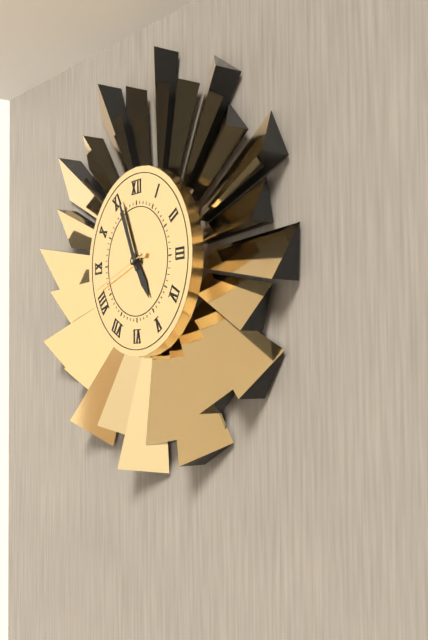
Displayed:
h=4 m=56 s=42
